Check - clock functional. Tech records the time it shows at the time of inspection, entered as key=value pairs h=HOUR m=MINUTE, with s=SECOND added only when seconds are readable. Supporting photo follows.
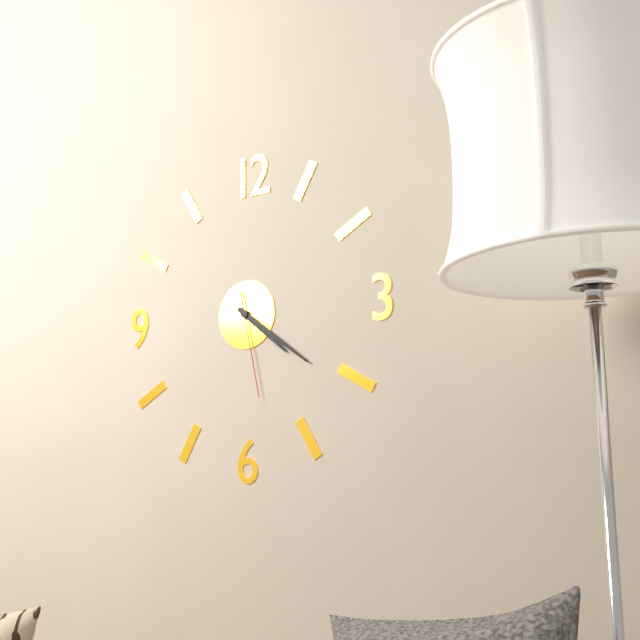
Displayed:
h=4 m=21 s=28
